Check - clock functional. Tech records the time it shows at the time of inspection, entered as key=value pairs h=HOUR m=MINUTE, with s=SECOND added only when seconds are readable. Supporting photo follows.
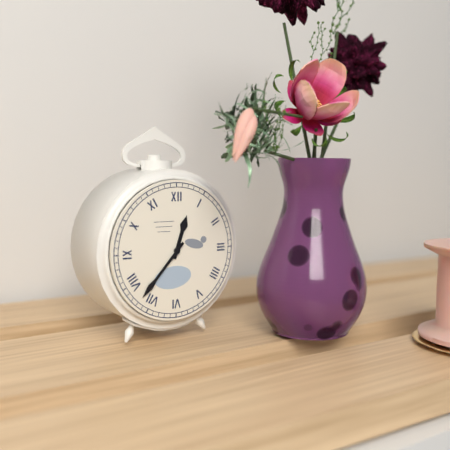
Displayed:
h=12 m=37
